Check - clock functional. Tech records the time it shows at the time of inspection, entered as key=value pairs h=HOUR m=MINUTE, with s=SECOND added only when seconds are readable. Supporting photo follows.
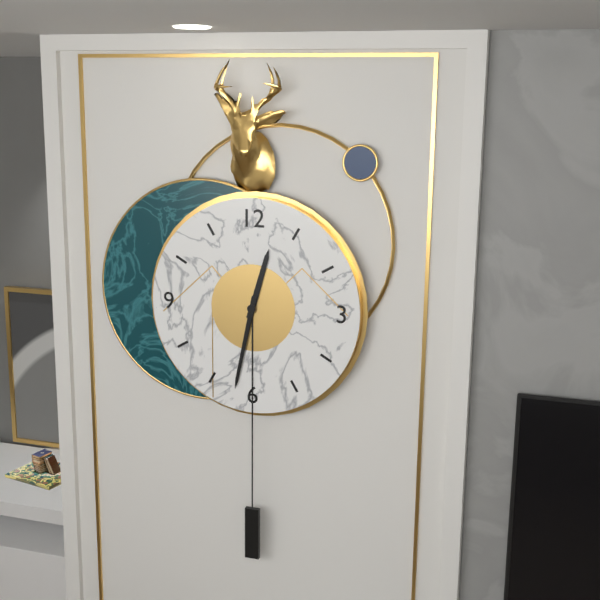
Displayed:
h=12 m=32
